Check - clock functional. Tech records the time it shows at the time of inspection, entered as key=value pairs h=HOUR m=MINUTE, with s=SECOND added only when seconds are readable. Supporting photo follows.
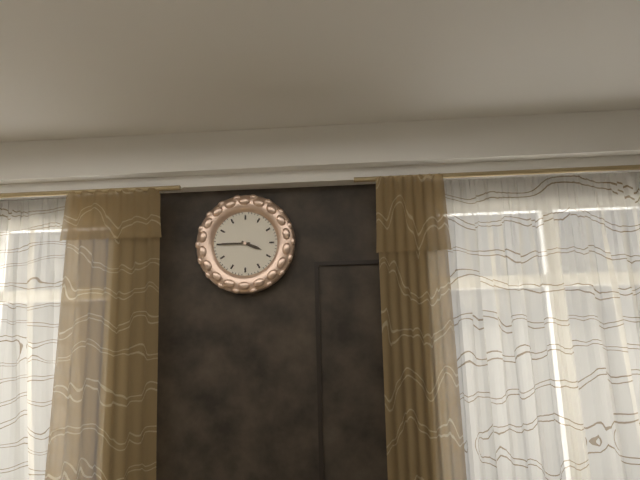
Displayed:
h=3 m=45
